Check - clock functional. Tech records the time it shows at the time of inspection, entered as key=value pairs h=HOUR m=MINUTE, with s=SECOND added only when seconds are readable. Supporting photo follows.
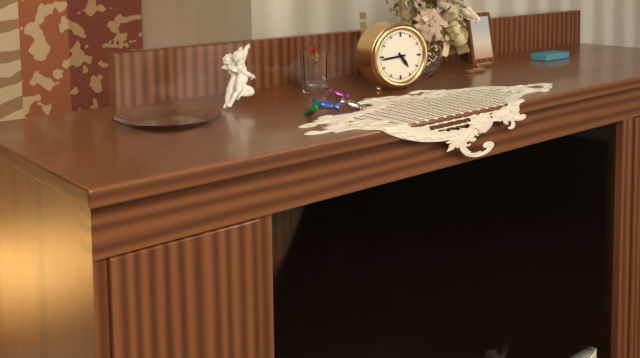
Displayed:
h=4 m=44
